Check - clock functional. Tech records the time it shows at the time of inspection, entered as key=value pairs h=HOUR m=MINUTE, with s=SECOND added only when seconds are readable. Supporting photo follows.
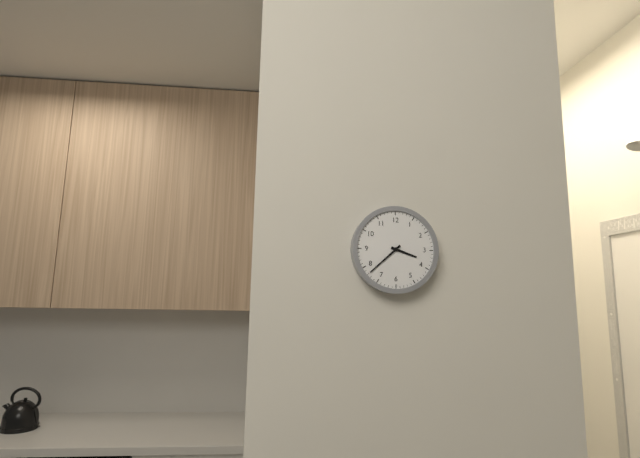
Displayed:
h=3 m=38
